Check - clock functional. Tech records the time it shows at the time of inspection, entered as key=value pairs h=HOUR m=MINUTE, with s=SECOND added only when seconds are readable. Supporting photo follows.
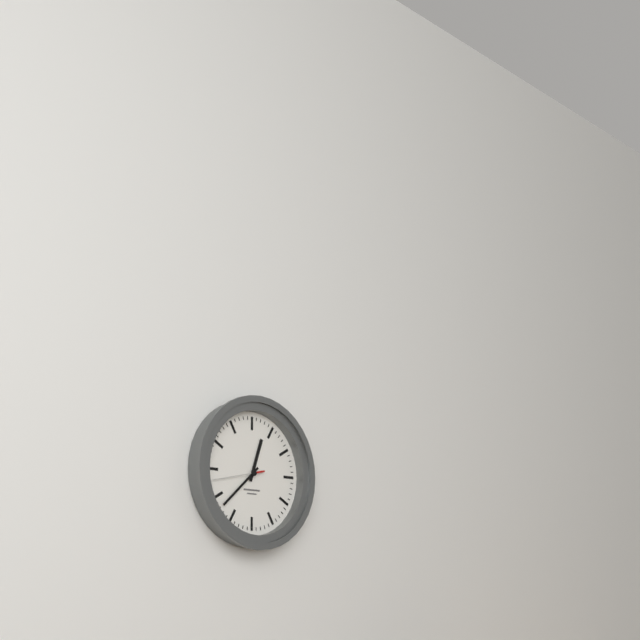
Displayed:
h=12 m=38 s=43
